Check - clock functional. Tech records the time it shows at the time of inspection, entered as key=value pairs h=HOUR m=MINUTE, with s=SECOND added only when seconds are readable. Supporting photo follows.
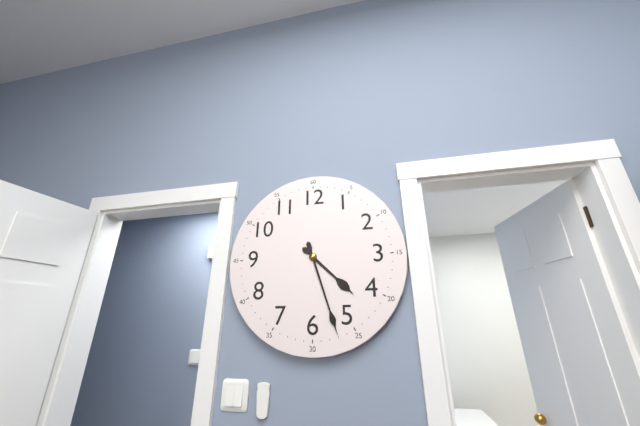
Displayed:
h=4 m=27
